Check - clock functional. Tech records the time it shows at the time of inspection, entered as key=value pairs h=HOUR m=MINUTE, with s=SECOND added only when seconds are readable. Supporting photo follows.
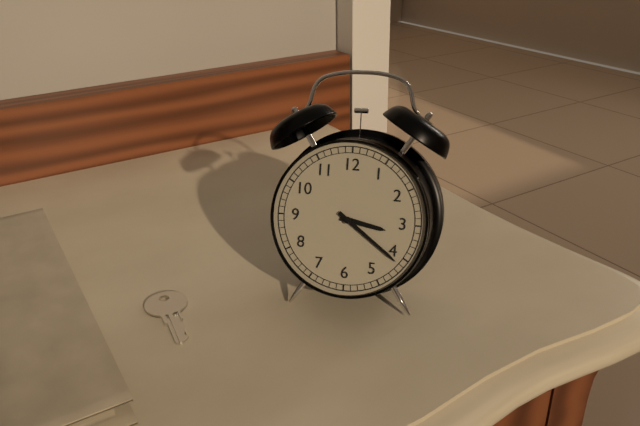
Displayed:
h=3 m=21
